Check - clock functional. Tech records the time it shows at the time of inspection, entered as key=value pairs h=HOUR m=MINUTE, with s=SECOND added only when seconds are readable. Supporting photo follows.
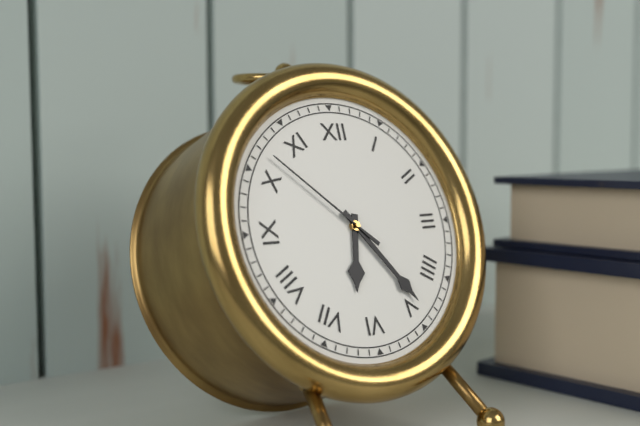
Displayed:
h=6 m=24 s=52
